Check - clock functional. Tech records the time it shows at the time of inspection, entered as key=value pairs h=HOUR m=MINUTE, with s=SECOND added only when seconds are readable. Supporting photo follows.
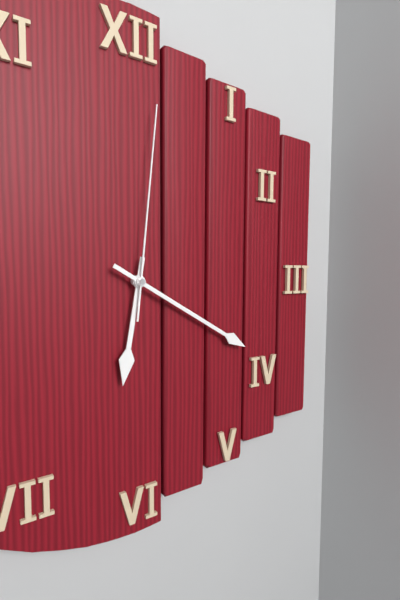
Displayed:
h=6 m=20 s=1
